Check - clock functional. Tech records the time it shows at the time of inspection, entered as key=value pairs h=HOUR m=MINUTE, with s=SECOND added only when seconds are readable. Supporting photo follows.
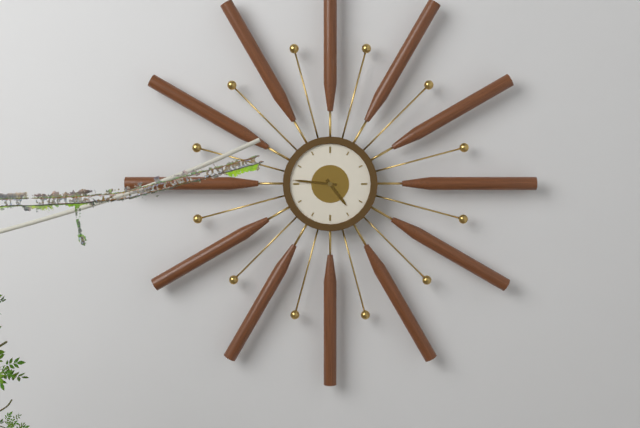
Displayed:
h=4 m=46
